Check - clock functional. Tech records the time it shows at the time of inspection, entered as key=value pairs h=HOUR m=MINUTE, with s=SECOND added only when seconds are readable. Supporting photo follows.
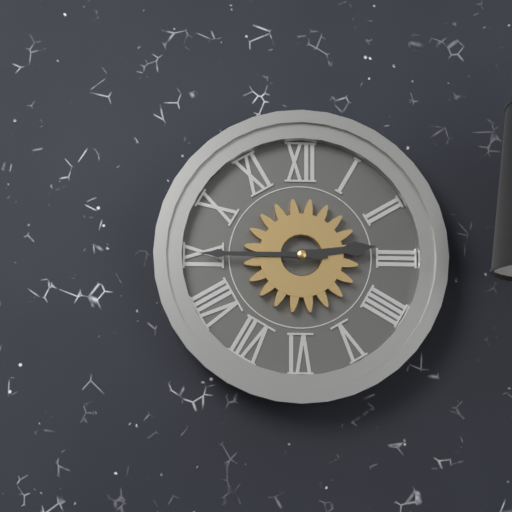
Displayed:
h=2 m=45
